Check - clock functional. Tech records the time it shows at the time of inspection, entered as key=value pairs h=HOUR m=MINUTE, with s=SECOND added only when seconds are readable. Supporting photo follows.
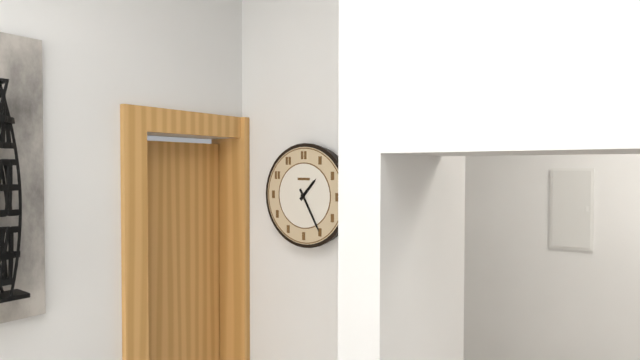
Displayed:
h=1 m=25
